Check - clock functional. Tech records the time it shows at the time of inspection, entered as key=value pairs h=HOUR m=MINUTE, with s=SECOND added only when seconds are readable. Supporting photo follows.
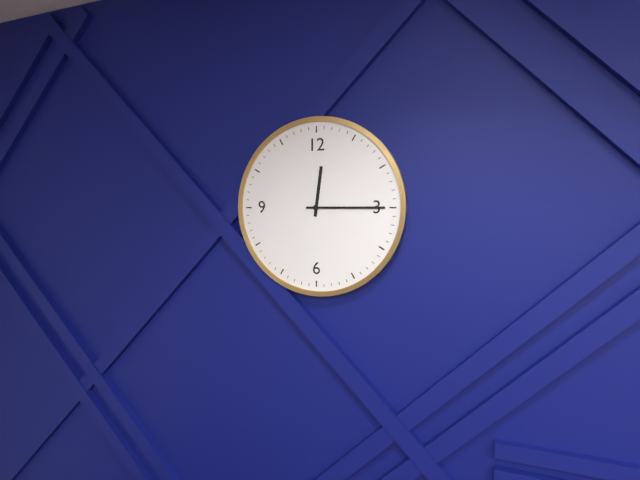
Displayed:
h=12 m=15
